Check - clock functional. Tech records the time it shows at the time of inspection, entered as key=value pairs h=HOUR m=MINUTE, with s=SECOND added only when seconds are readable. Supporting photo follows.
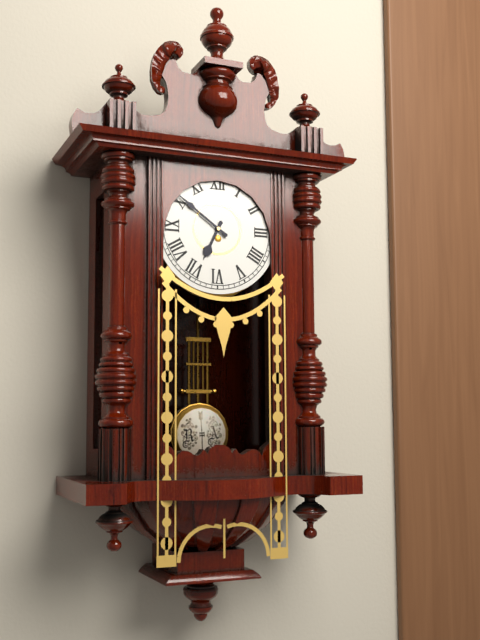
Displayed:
h=6 m=51
